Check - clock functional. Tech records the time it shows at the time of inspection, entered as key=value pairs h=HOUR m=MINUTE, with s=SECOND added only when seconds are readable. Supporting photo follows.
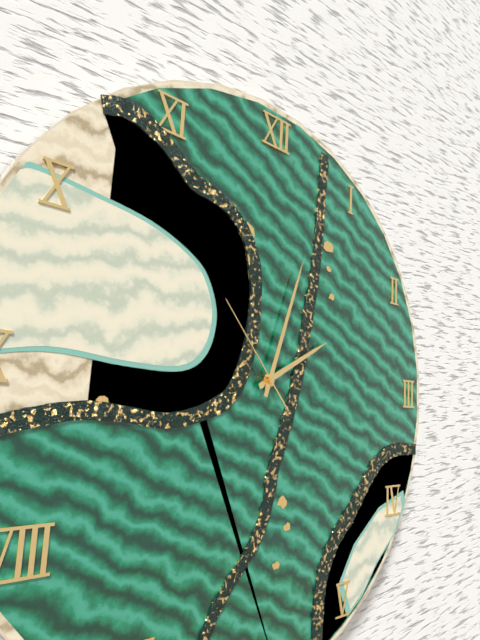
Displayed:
h=2 m=3 s=53
